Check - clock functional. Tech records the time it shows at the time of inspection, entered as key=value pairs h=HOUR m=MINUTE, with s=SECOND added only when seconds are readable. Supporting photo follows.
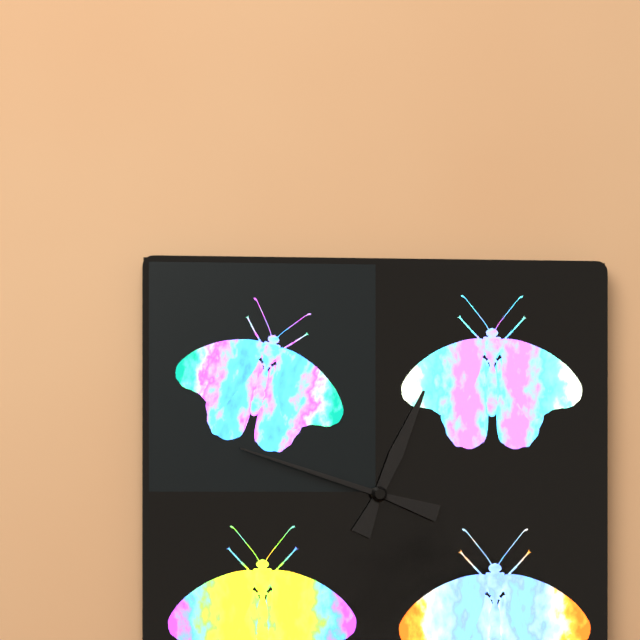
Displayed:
h=12 m=48
